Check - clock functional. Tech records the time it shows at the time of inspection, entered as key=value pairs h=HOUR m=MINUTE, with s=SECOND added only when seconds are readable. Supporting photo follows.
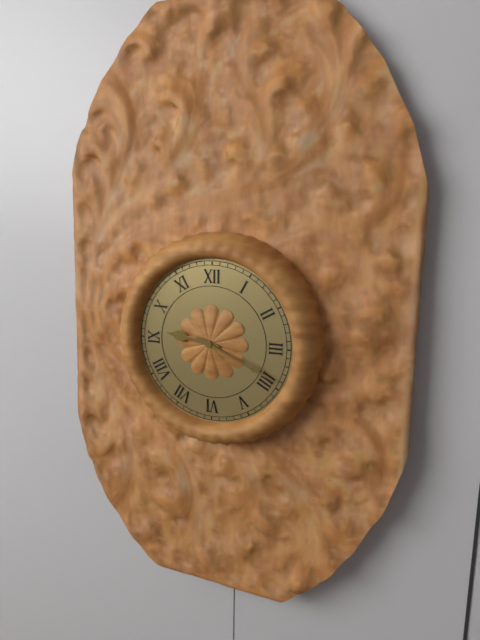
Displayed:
h=9 m=19
